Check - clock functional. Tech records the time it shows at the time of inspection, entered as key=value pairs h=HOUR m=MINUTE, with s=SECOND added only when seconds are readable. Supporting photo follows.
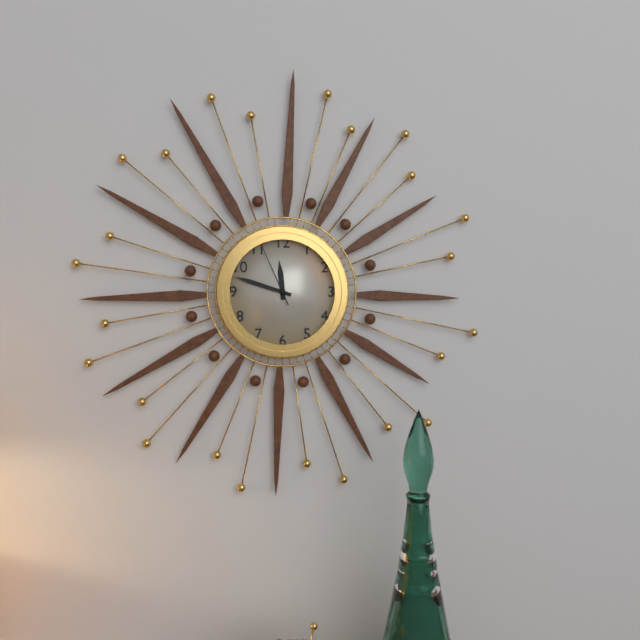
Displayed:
h=11 m=48 s=56
